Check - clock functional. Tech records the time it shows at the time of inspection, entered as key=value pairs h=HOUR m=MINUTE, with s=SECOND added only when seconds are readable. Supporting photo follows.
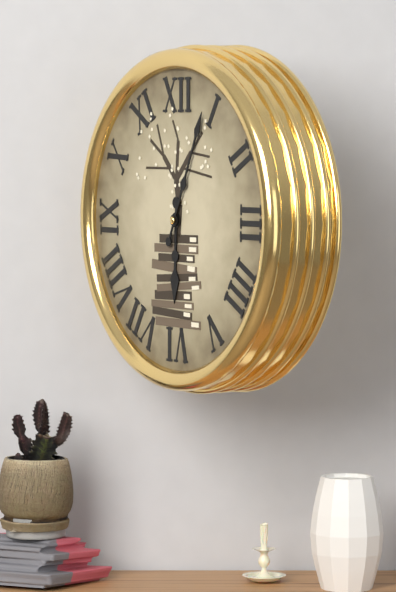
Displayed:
h=6 m=4
